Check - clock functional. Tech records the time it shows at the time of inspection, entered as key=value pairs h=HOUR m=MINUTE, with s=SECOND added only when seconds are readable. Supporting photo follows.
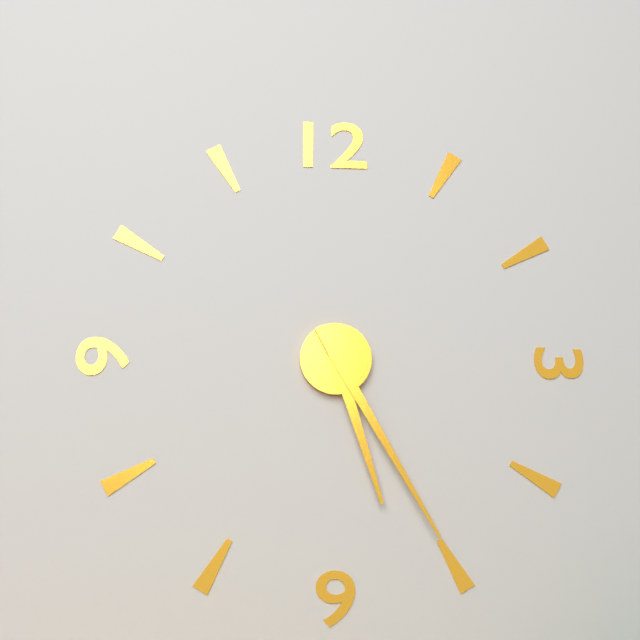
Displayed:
h=5 m=25
